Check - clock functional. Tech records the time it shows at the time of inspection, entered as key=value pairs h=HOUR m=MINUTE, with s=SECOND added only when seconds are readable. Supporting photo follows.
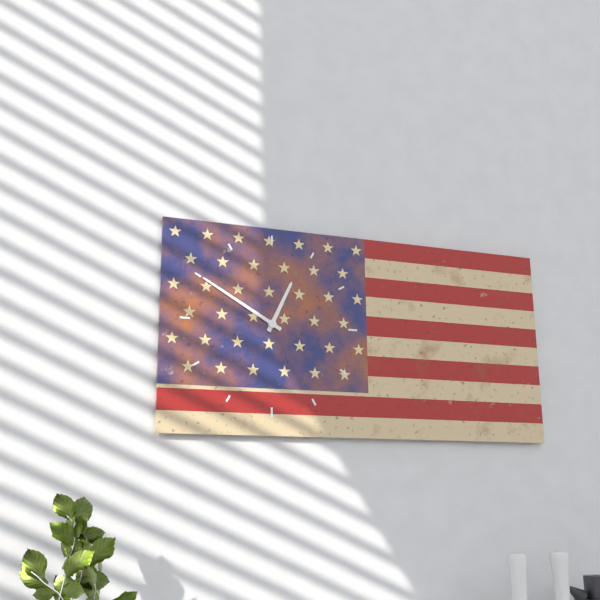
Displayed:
h=12 m=50
